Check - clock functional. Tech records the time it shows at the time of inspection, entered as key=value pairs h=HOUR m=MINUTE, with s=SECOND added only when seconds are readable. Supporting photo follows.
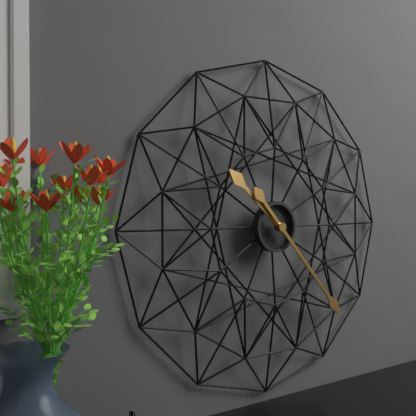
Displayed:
h=10 m=23
